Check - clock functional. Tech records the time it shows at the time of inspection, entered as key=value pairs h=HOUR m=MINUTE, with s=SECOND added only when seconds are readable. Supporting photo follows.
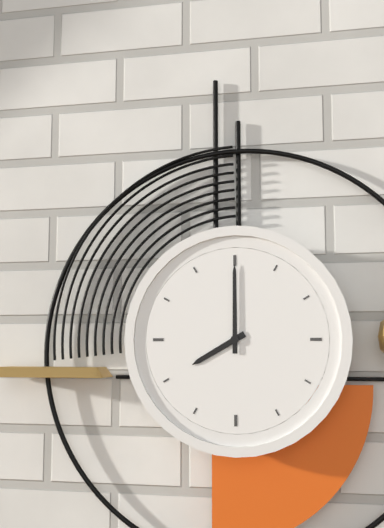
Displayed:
h=8 m=0
